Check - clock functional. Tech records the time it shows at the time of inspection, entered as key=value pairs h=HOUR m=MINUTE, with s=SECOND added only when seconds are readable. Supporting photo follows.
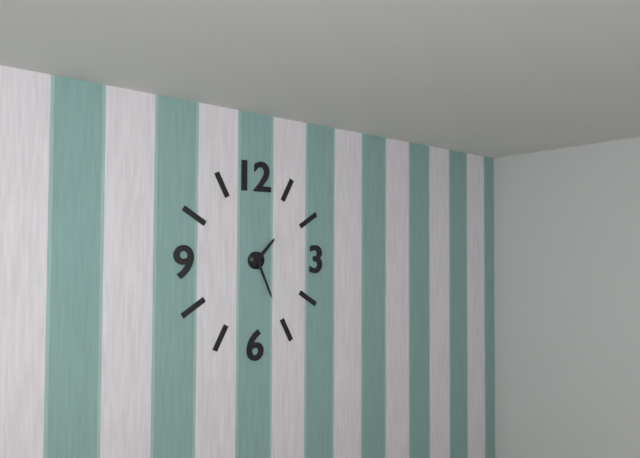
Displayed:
h=1 m=26
